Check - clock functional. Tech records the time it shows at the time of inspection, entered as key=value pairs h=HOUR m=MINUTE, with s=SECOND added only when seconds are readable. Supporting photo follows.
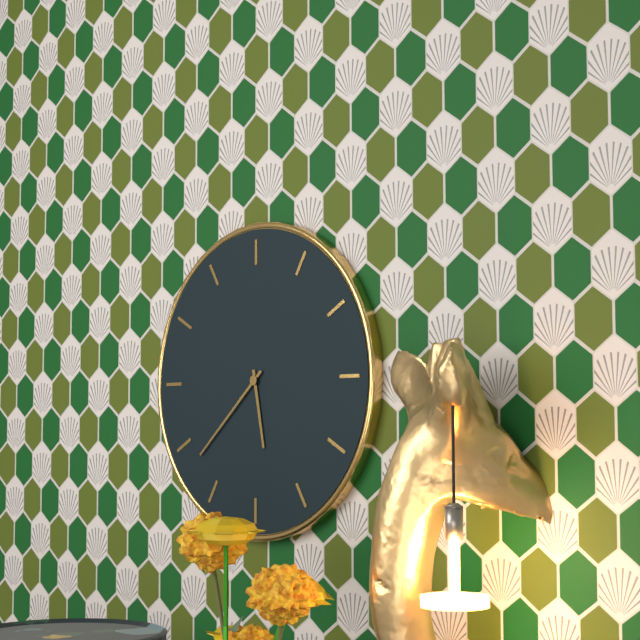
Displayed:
h=5 m=38
